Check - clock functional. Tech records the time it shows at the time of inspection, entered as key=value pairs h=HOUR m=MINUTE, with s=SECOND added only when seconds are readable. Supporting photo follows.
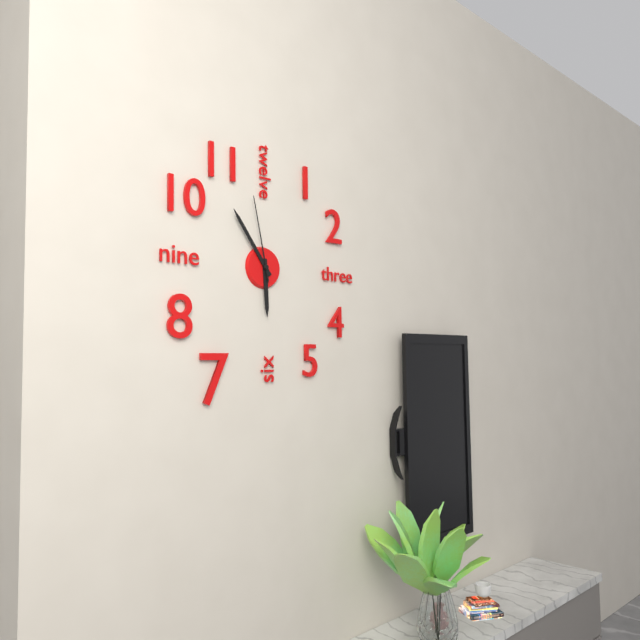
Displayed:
h=5 m=54 s=58
